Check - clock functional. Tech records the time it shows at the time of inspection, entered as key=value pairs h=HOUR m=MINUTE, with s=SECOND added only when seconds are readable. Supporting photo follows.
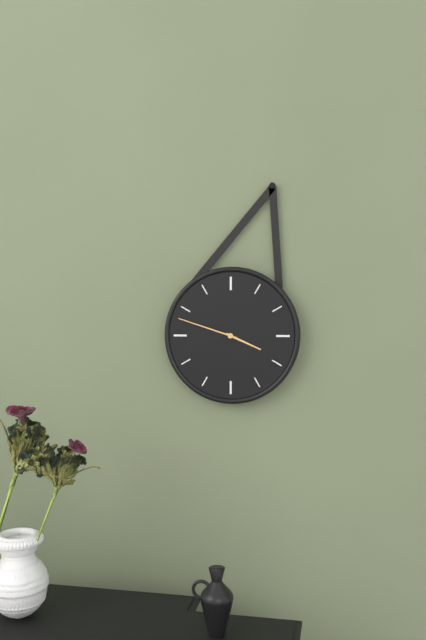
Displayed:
h=3 m=48
